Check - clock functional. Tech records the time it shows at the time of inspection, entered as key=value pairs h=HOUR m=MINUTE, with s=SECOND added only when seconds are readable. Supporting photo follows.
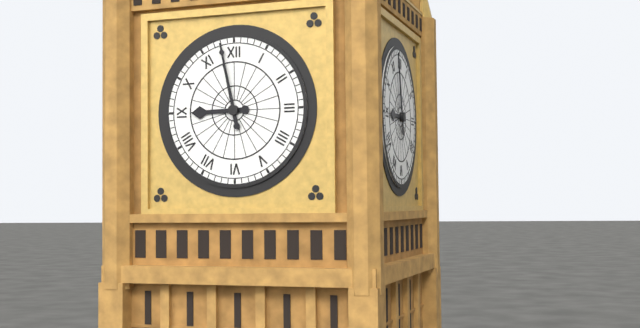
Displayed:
h=8 m=58
